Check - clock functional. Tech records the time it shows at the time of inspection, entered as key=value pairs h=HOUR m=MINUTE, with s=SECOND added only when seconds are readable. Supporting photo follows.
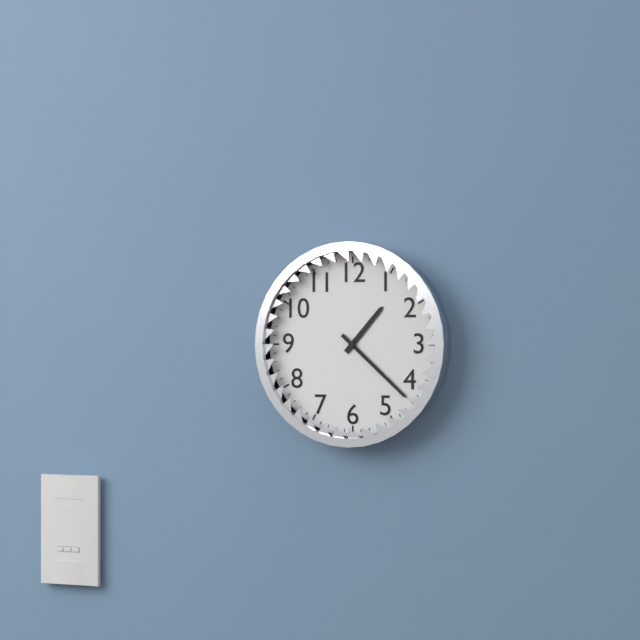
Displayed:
h=1 m=22
